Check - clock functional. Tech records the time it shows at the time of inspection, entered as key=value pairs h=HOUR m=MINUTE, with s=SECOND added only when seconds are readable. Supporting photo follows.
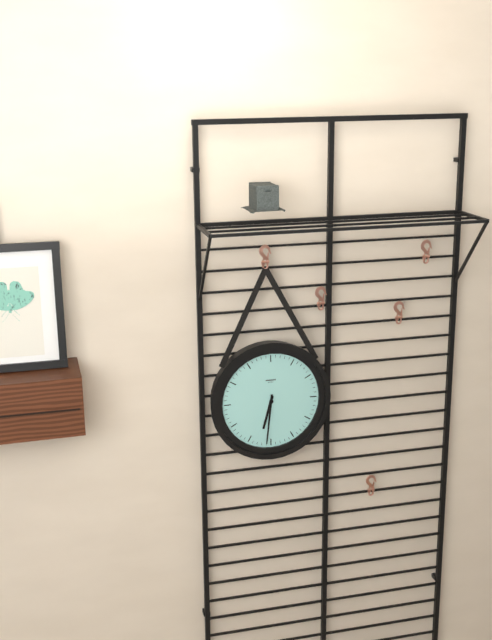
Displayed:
h=6 m=31
